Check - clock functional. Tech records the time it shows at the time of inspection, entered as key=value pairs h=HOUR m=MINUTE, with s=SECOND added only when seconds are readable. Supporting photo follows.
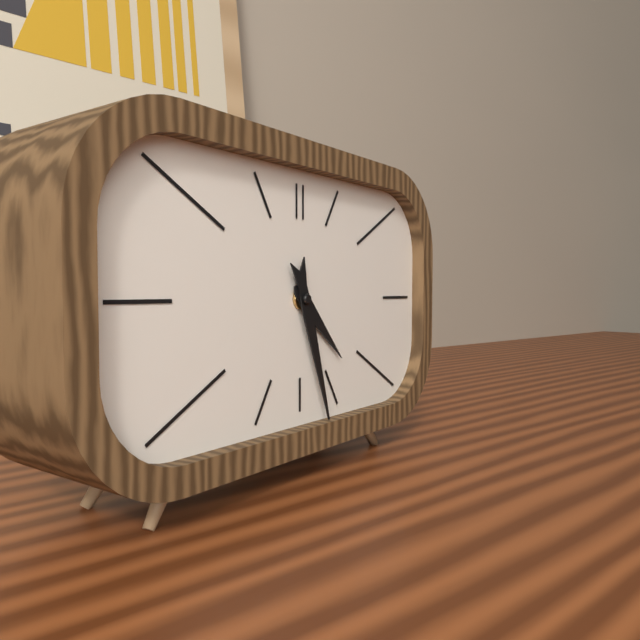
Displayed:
h=4 m=27
